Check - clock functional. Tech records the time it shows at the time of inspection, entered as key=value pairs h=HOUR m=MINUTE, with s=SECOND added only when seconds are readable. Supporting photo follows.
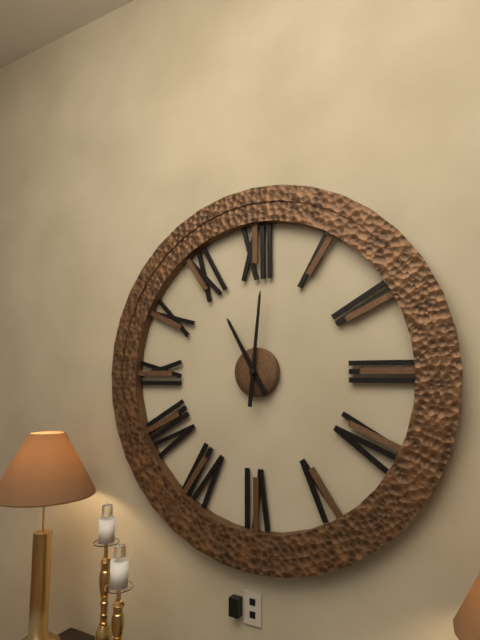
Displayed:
h=11 m=1
